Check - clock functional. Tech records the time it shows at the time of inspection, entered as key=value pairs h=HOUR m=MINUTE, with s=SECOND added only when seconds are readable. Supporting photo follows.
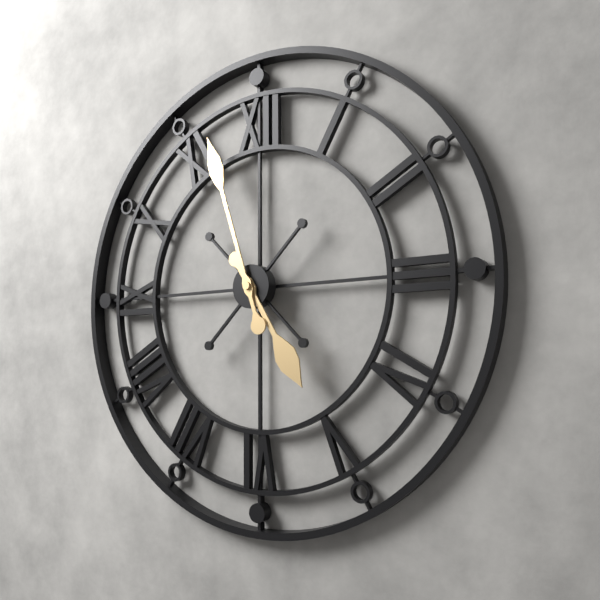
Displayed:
h=4 m=57
